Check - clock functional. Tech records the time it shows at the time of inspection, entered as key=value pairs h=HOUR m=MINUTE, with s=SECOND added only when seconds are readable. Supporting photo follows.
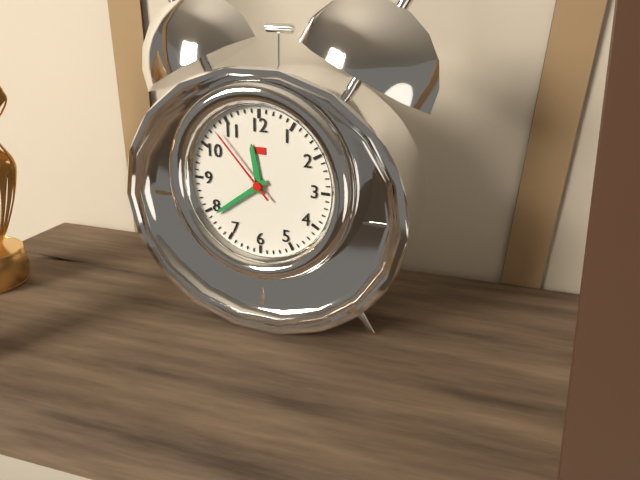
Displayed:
h=11 m=39 s=53
